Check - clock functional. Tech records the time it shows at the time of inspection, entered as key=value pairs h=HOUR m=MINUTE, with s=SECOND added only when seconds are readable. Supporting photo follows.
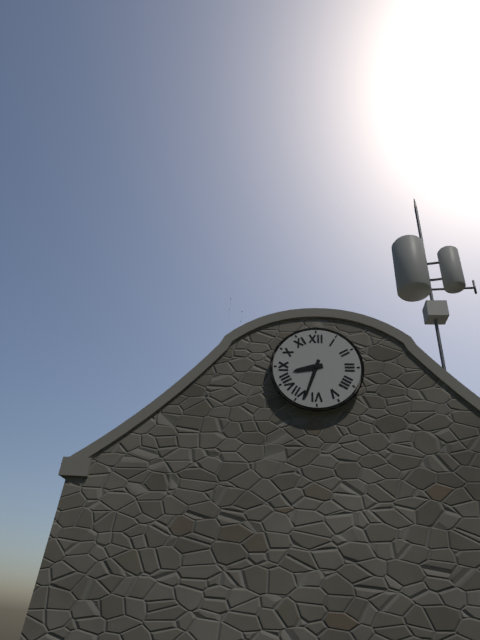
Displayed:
h=8 m=33
